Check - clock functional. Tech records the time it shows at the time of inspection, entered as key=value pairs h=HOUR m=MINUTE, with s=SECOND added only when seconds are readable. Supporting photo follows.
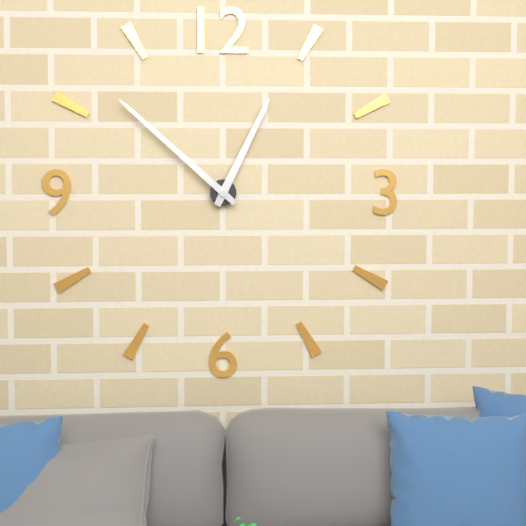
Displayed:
h=12 m=52
